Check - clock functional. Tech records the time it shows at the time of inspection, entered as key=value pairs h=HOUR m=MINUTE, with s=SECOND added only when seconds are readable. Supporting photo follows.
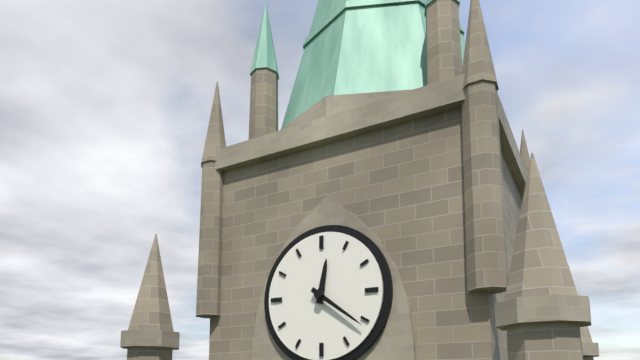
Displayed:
h=12 m=21
